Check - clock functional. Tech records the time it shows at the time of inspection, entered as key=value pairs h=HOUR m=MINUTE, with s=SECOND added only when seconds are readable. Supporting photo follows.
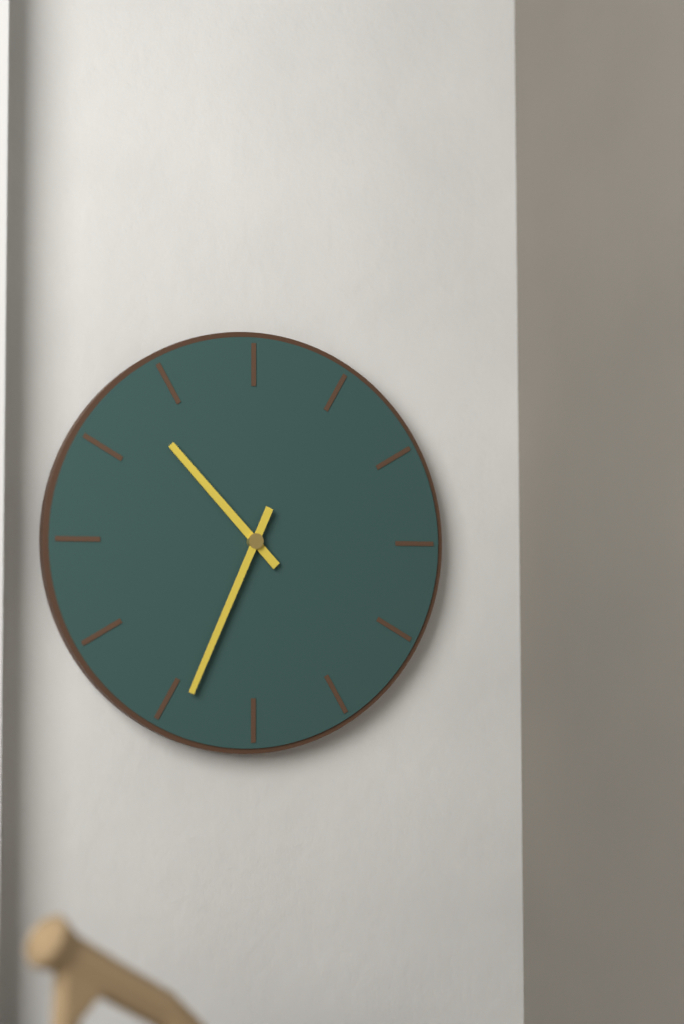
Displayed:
h=10 m=34
